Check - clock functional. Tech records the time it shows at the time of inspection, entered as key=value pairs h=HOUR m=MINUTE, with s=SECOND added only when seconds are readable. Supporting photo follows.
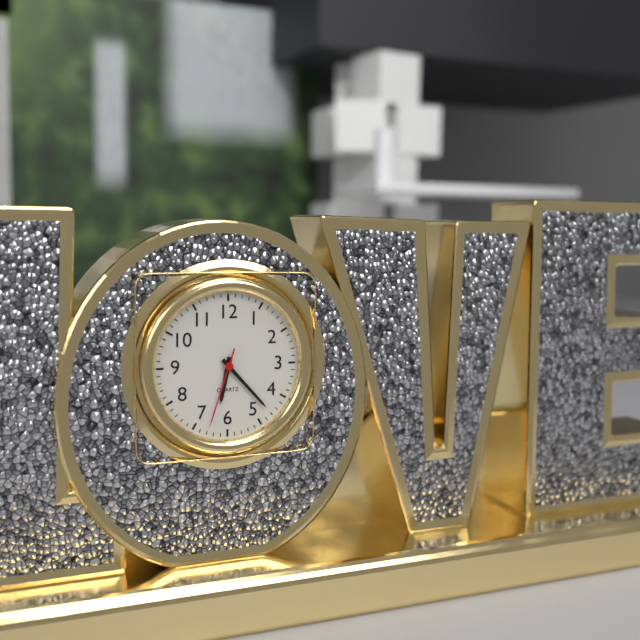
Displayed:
h=6 m=23 s=33
